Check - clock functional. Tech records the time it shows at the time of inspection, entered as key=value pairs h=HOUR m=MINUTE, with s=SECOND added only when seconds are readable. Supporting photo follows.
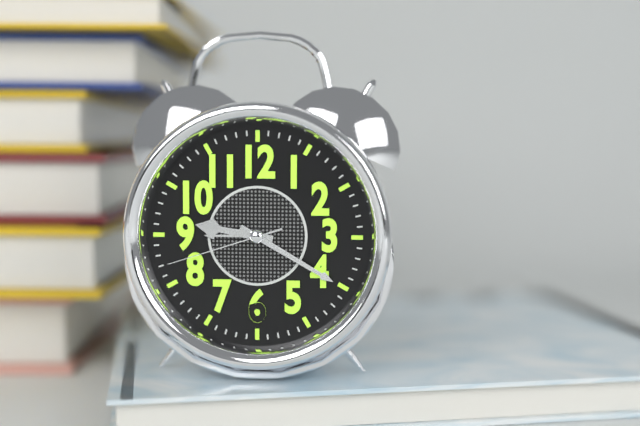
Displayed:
h=9 m=20 s=42
